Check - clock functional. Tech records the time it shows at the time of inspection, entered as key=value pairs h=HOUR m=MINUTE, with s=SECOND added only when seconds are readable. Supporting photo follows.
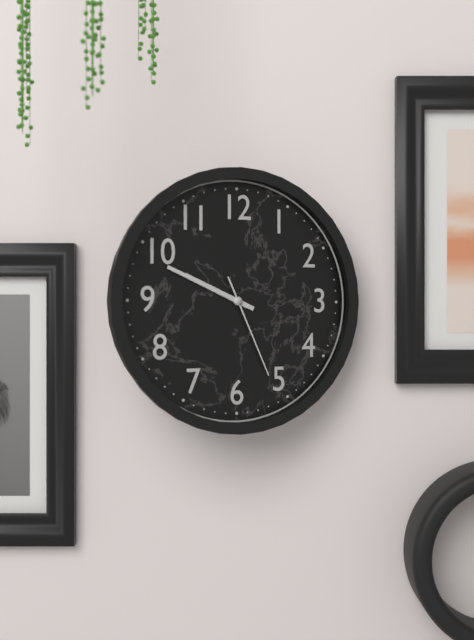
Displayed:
h=9 m=49 s=26
